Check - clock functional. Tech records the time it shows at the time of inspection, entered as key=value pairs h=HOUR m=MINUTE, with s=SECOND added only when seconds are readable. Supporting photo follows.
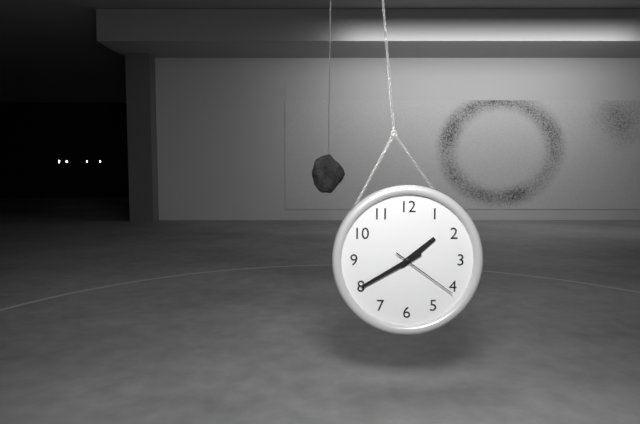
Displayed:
h=1 m=40 s=21
